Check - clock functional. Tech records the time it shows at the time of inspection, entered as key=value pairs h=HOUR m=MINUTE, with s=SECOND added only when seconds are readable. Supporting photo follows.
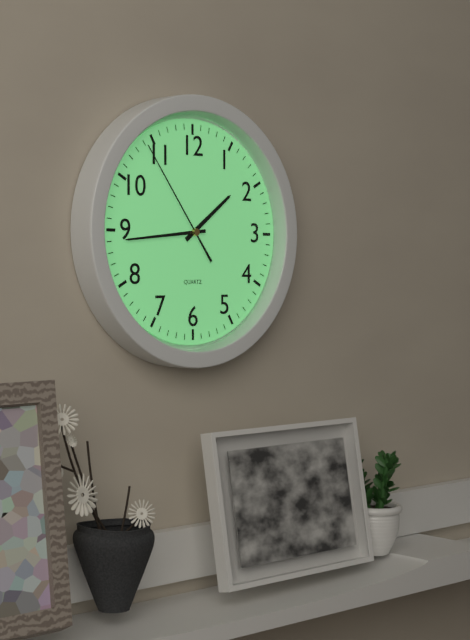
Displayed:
h=1 m=44 s=54
